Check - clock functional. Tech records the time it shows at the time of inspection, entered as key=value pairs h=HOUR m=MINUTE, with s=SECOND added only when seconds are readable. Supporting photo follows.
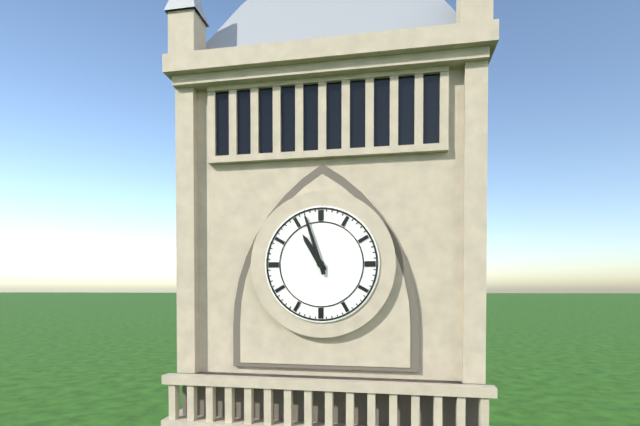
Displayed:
h=10 m=57
